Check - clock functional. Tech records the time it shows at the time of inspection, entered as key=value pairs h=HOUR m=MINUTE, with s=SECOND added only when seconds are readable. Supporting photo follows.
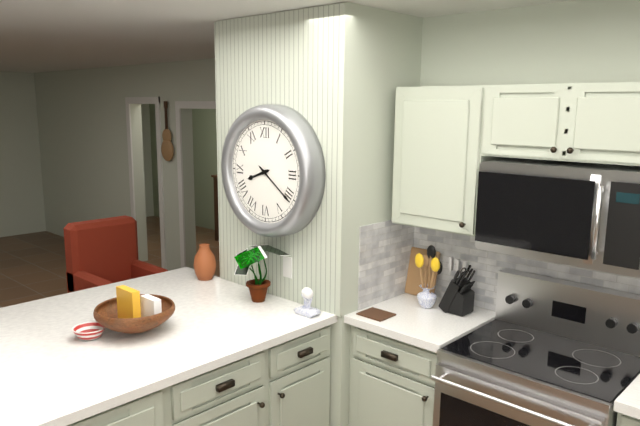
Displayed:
h=8 m=21
